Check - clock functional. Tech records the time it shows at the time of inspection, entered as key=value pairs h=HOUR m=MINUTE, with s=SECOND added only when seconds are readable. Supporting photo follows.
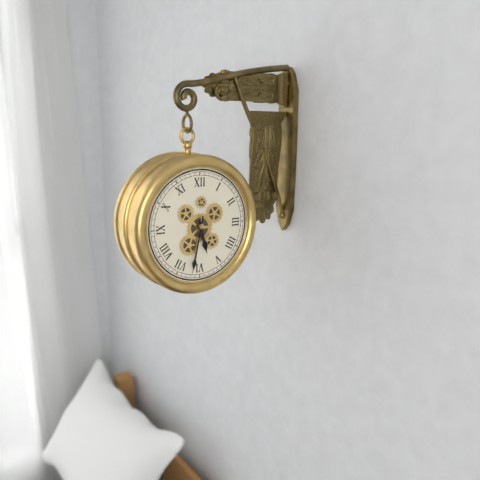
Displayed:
h=5 m=32
